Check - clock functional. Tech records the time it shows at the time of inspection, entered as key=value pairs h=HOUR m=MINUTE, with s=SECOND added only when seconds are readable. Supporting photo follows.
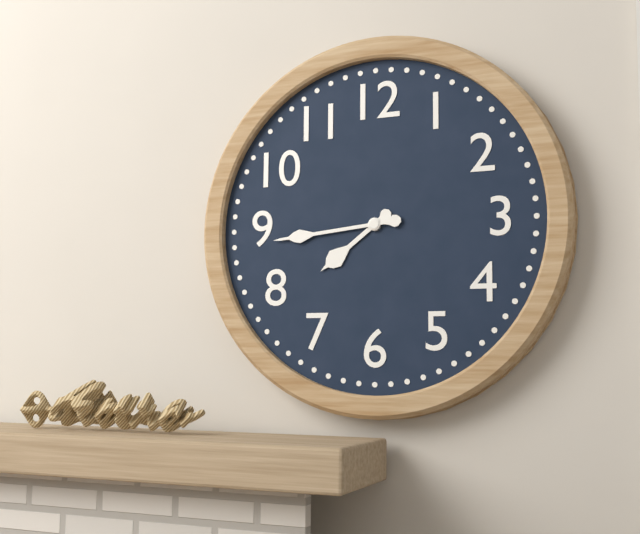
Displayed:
h=7 m=44
